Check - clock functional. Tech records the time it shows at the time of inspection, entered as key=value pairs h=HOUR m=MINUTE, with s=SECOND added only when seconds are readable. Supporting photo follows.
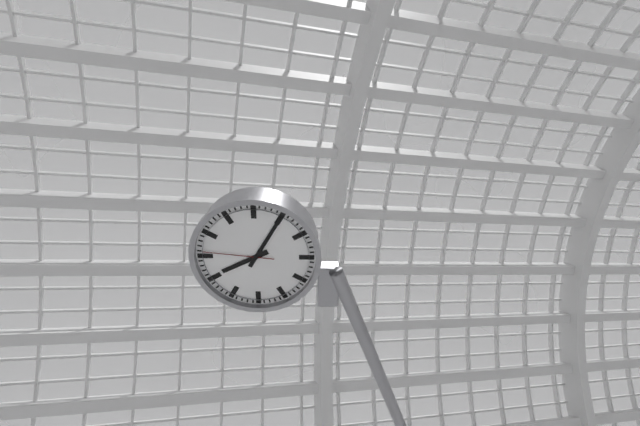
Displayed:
h=8 m=5 s=46
